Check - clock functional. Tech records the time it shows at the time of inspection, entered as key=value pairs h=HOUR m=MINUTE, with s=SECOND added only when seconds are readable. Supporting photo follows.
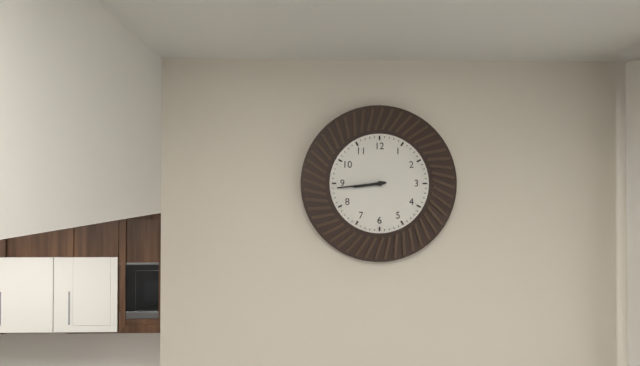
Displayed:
h=8 m=44
